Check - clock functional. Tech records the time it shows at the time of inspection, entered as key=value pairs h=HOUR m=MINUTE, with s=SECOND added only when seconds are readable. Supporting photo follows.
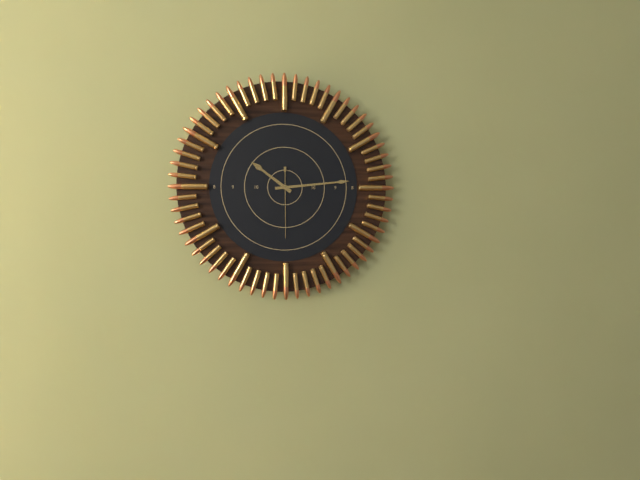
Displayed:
h=10 m=14 s=30
